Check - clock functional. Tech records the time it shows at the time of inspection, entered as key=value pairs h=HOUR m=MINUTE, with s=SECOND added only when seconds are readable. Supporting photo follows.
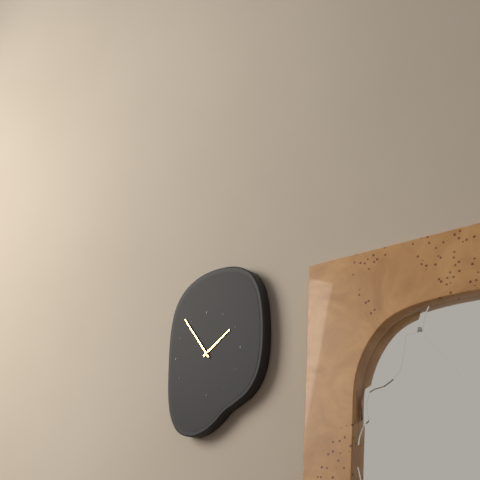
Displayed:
h=1 m=54
